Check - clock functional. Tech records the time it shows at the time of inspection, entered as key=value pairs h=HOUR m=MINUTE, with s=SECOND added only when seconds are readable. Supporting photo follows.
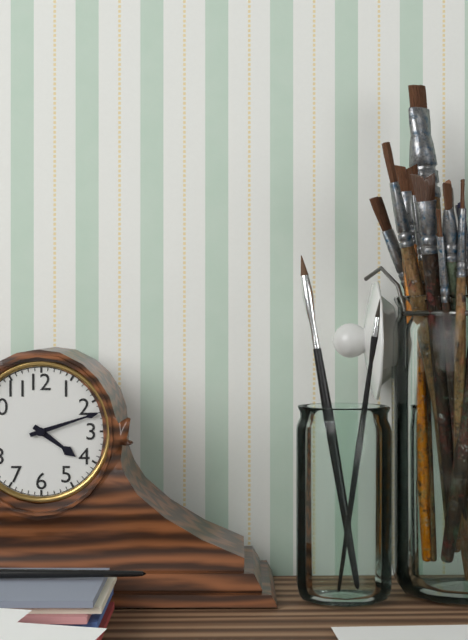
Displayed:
h=4 m=12
